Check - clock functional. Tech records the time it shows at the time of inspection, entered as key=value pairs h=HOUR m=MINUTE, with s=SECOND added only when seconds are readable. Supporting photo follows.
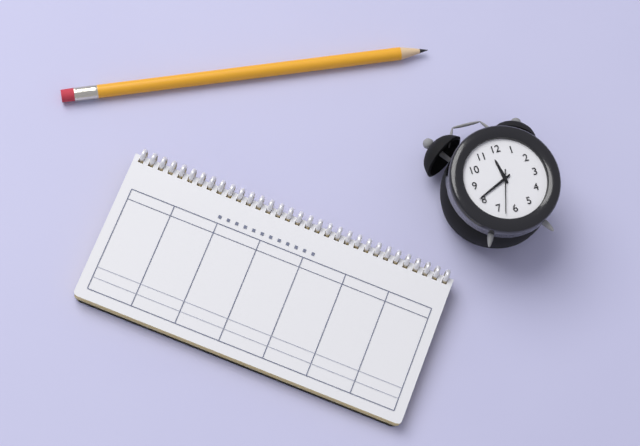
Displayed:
h=11 m=41
